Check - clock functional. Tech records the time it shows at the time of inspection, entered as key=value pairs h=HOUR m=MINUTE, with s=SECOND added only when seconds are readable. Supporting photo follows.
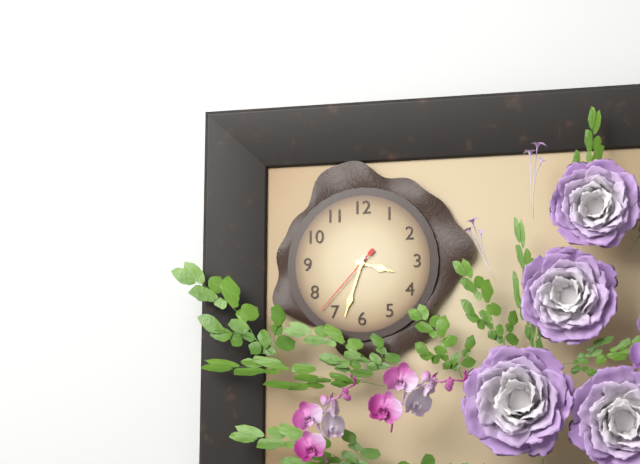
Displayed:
h=3 m=33 s=37
